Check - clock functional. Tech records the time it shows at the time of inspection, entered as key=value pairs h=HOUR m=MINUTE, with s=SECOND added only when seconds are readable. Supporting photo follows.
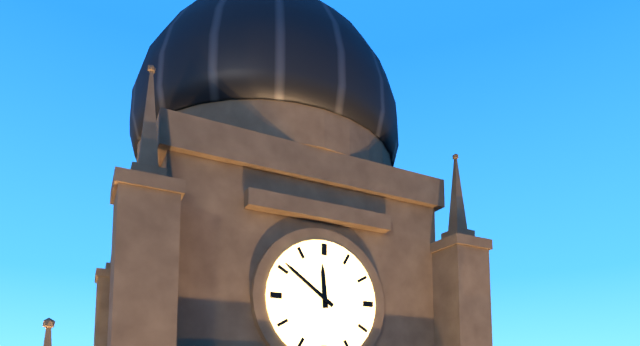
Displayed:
h=11 m=51
